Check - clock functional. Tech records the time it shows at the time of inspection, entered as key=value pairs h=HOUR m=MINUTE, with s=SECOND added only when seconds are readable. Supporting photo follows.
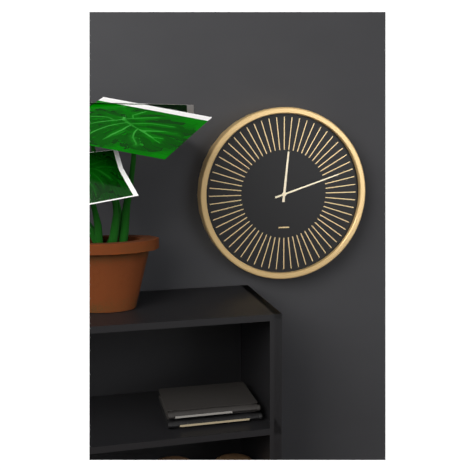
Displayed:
h=12 m=12
